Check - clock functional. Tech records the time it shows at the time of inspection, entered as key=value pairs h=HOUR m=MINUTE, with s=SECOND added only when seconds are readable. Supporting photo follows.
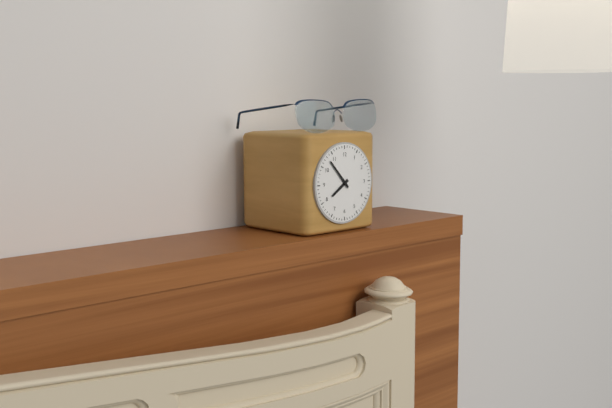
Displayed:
h=7 m=53
